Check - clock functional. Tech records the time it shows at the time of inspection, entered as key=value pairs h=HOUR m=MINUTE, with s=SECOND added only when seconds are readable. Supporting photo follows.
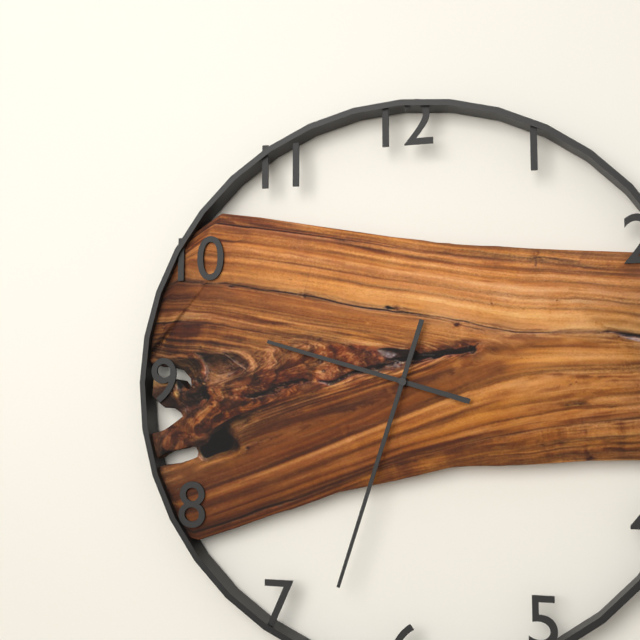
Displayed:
h=9 m=33
